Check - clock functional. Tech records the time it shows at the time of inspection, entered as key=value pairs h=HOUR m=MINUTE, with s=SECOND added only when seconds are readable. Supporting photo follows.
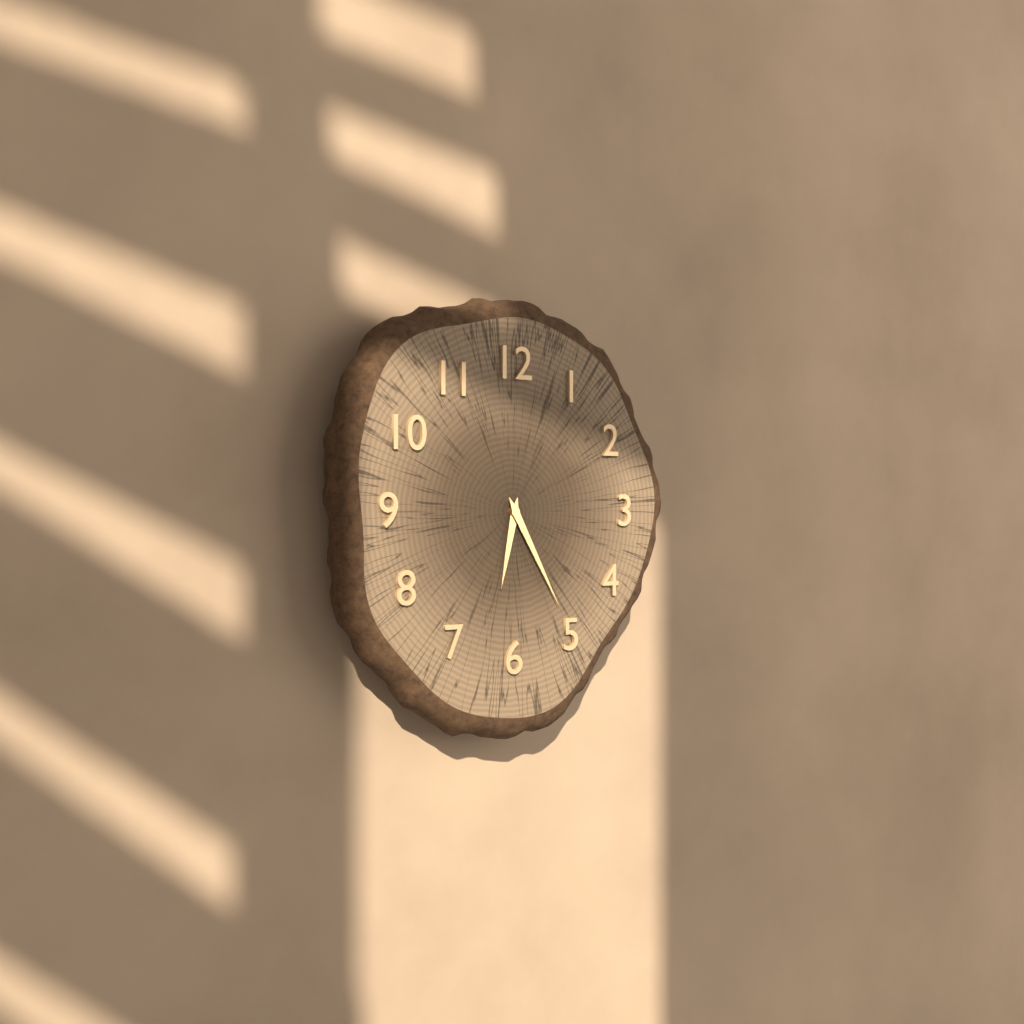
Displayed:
h=6 m=25
